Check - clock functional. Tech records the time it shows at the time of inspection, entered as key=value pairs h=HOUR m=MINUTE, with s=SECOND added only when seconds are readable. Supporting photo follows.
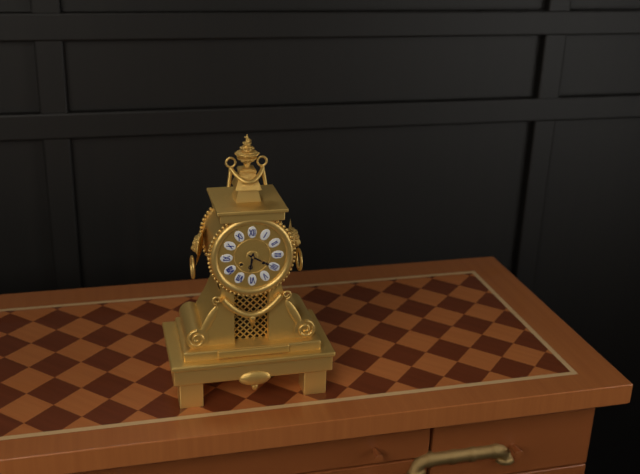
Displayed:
h=6 m=20
